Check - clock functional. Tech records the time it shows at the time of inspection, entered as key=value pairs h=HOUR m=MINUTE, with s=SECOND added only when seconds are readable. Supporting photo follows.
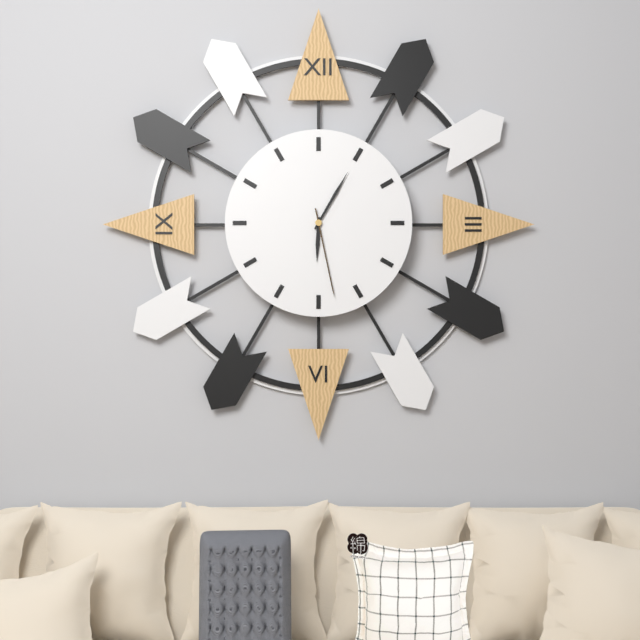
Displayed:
h=6 m=5 s=28
